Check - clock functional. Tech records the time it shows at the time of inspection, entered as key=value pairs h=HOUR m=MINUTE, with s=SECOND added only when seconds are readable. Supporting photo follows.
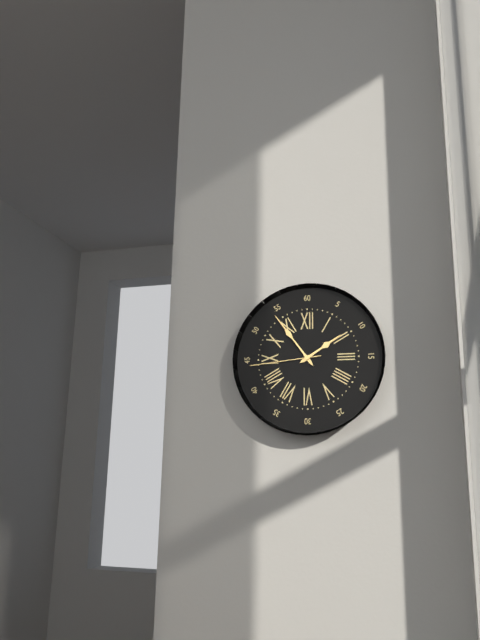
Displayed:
h=1 m=54 s=44
